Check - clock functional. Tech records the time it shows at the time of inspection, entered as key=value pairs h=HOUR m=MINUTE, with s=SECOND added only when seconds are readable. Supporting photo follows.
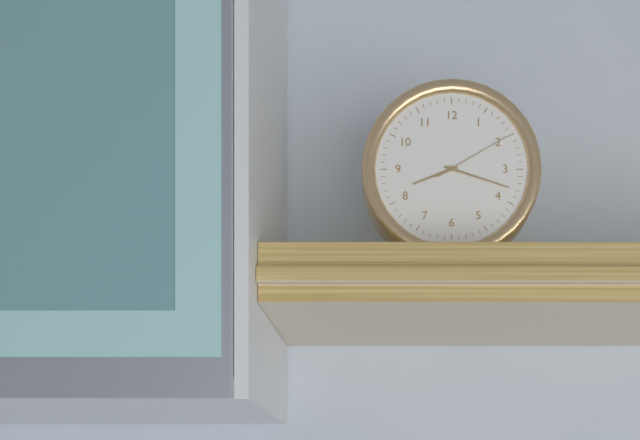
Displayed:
h=8 m=18 s=10
